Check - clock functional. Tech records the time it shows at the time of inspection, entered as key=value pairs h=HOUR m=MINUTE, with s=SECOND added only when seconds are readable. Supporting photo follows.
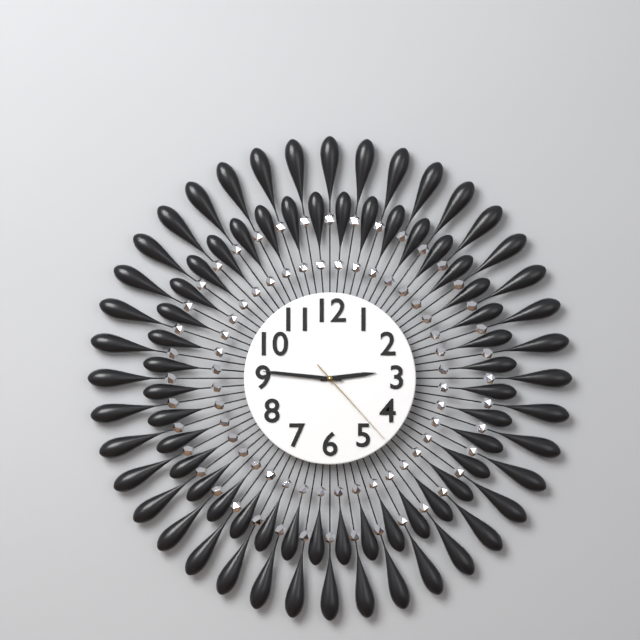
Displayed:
h=2 m=46 s=23
